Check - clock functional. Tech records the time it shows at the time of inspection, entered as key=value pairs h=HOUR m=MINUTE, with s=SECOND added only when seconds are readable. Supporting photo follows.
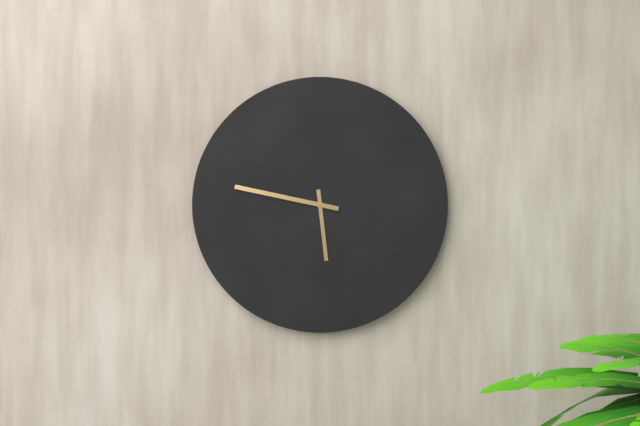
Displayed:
h=5 m=47
